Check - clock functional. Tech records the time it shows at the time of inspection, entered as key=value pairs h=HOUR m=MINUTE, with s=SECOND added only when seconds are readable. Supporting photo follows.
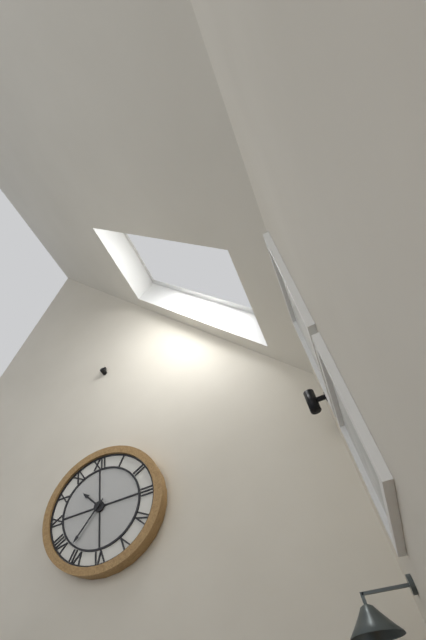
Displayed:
h=10 m=37
